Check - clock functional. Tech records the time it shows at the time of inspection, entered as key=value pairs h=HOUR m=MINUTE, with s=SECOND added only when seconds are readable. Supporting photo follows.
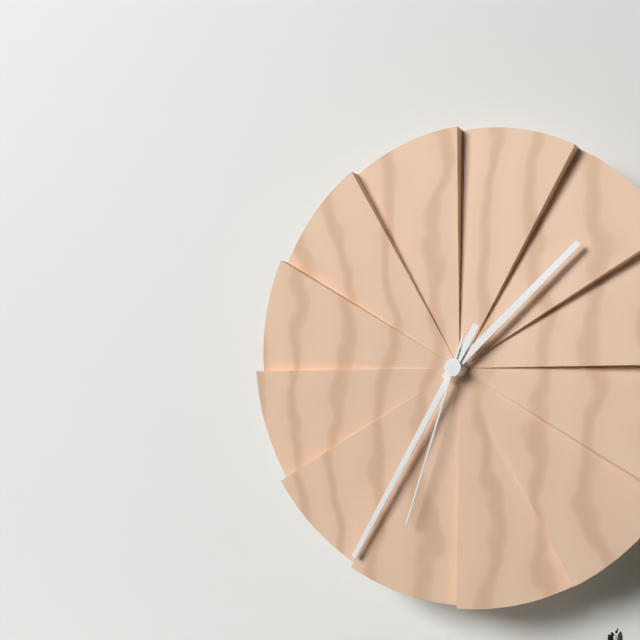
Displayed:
h=1 m=35 s=33
